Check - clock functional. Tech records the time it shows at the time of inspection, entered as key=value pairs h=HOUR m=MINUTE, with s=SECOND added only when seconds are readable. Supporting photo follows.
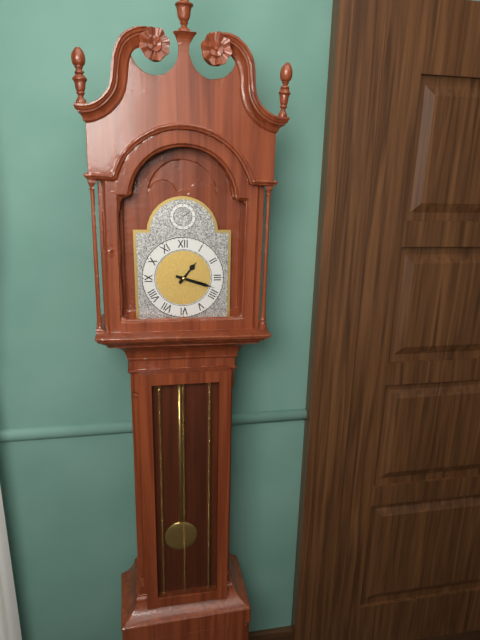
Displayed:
h=1 m=18
